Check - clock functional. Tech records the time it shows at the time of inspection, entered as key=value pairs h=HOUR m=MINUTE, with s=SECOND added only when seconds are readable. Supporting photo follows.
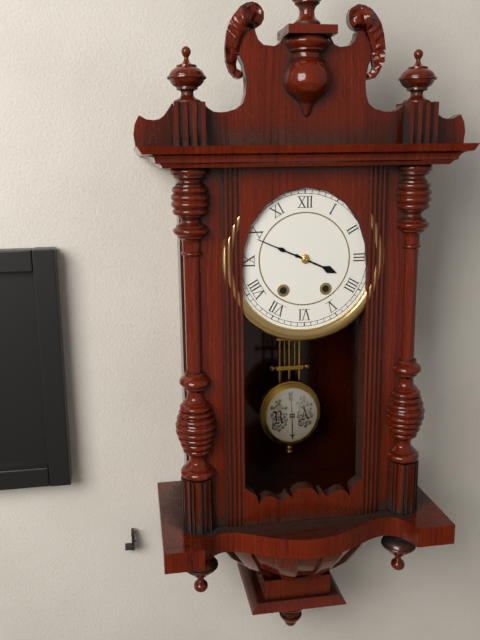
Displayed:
h=3 m=49
